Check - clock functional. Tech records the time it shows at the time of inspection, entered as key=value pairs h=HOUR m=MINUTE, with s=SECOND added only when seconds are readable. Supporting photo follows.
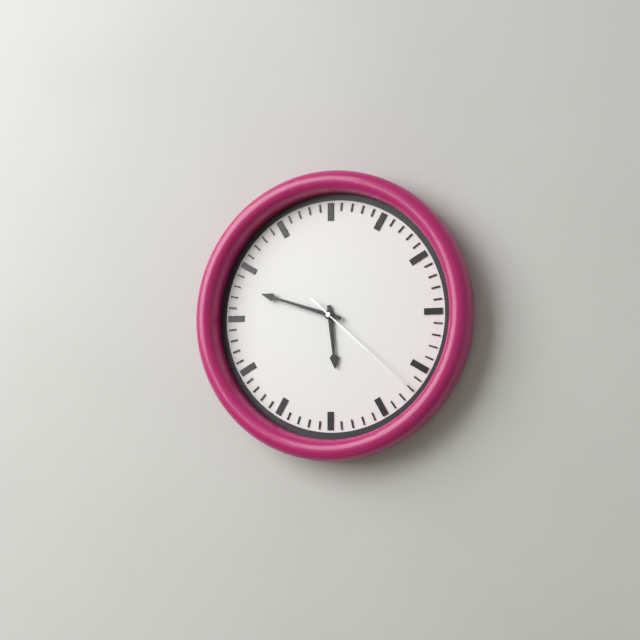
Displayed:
h=5 m=48 s=22
